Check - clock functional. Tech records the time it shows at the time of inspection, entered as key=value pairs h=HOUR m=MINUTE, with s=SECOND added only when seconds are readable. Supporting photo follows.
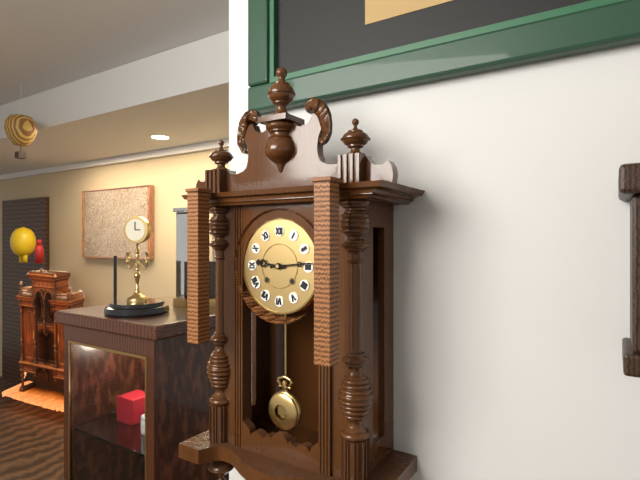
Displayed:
h=9 m=14
